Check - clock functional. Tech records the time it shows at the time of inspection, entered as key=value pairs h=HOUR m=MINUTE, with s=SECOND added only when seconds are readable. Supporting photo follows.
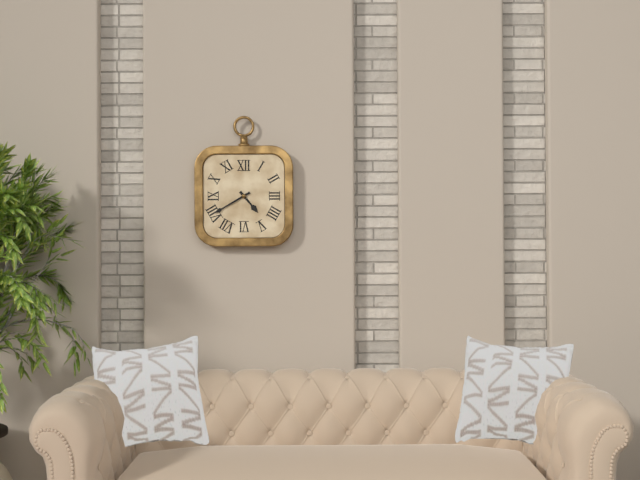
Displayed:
h=4 m=40
